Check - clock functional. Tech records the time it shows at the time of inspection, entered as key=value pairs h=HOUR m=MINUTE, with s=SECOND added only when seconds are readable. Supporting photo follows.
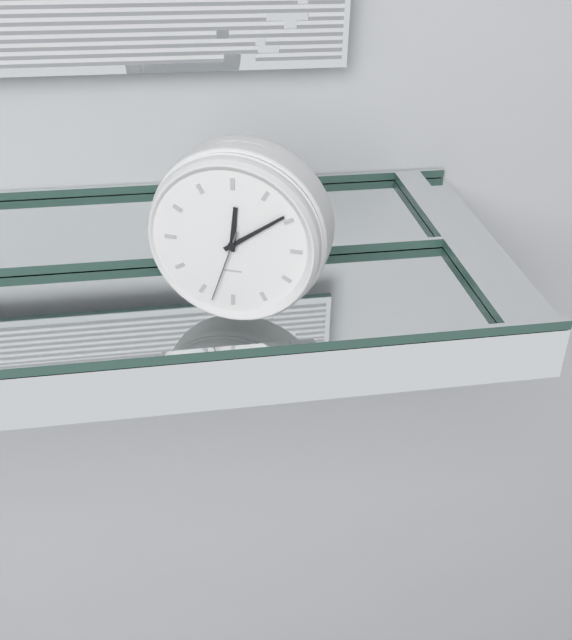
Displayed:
h=12 m=9 s=33
